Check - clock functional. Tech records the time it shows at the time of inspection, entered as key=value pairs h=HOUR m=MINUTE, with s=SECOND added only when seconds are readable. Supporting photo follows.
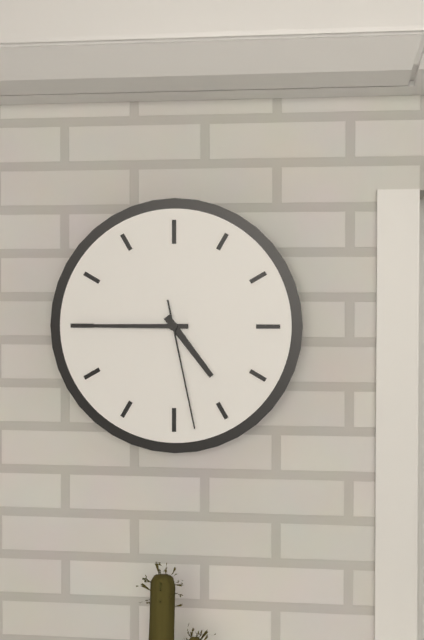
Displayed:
h=4 m=45 s=28
